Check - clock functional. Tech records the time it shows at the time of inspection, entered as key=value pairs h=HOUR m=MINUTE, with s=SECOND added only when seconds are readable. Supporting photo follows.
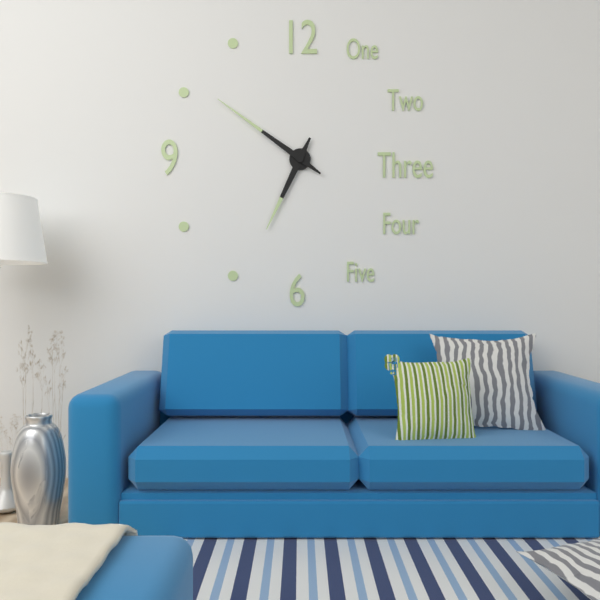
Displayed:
h=6 m=51
